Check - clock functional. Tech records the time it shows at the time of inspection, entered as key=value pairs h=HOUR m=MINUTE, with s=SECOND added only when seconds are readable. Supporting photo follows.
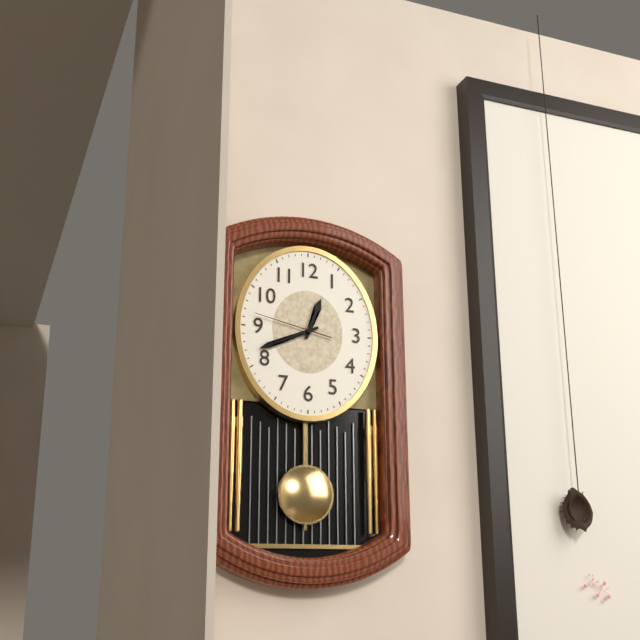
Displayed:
h=12 m=41 s=47
